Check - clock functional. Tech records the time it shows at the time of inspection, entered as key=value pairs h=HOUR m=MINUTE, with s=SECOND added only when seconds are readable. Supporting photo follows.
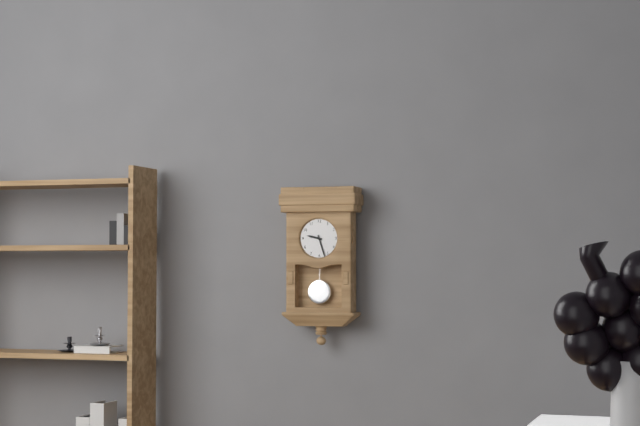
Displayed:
h=9 m=27
